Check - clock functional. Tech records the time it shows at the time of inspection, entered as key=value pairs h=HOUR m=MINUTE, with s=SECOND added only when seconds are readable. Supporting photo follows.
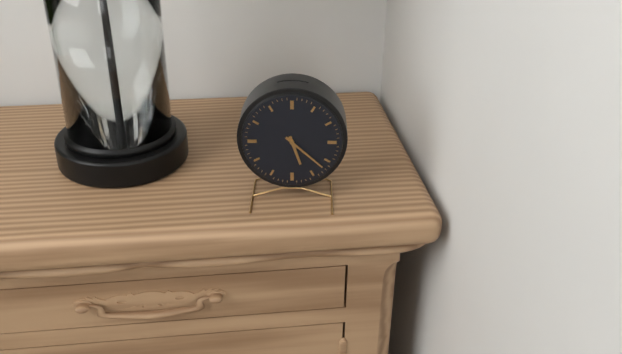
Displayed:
h=5 m=22
